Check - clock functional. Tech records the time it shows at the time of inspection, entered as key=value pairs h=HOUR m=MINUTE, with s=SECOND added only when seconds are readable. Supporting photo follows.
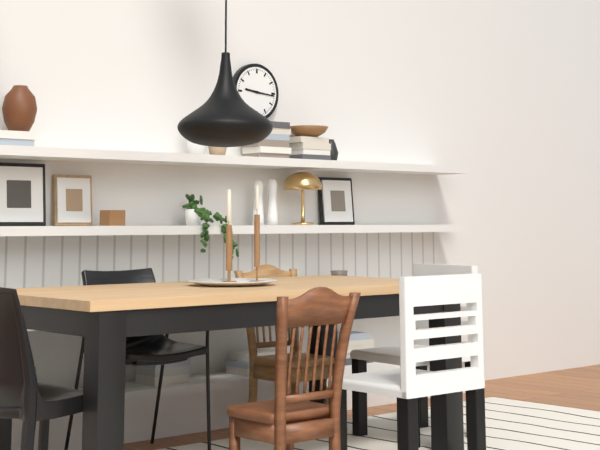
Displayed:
h=9 m=16
